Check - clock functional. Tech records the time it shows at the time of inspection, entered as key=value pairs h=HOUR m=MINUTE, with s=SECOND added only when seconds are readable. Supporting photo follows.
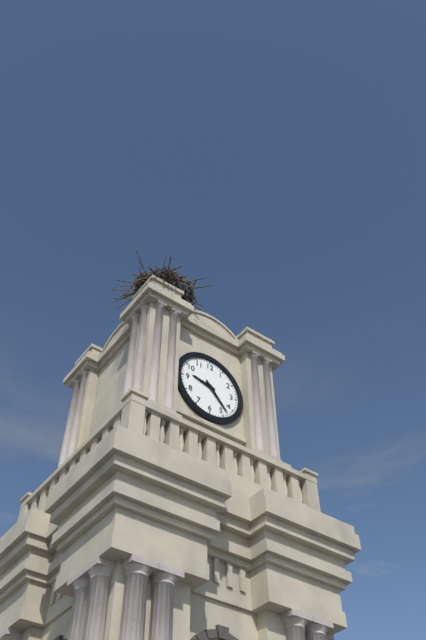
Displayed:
h=9 m=23
